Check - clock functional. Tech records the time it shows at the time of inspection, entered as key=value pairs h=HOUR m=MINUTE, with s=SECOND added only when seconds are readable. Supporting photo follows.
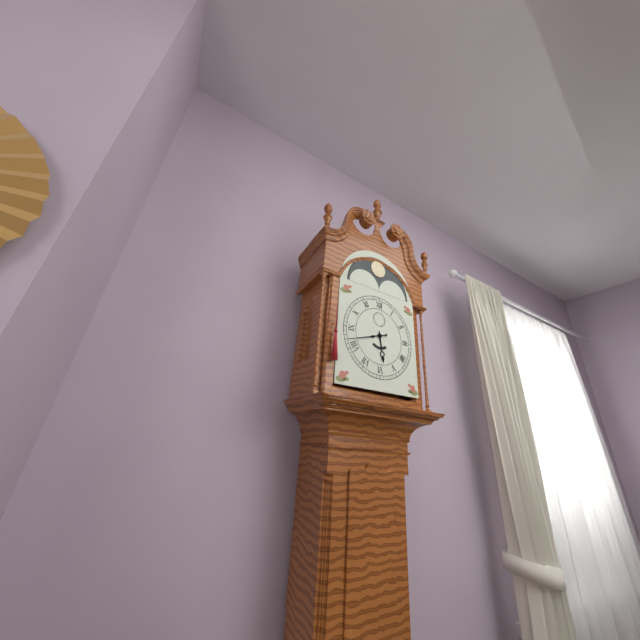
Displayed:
h=5 m=42
